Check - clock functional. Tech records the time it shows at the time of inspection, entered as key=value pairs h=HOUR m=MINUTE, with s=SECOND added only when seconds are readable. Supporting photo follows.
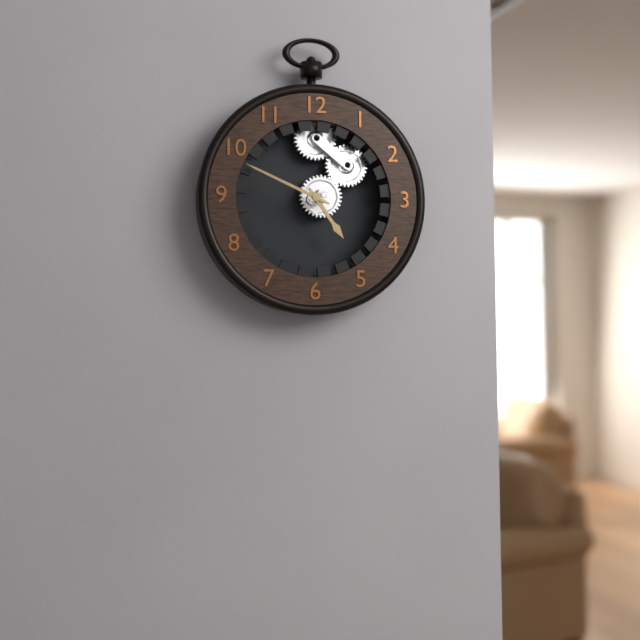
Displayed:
h=4 m=49
